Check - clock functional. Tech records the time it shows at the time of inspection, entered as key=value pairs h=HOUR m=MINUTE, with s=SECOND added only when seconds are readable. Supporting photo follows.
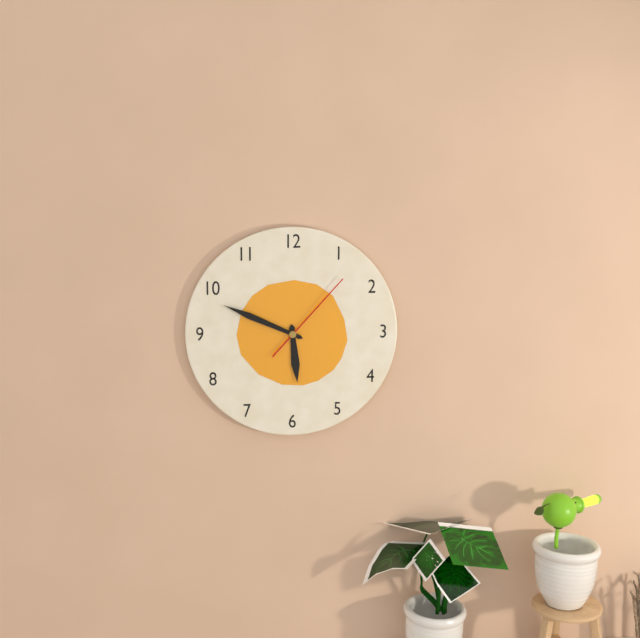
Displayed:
h=5 m=49 s=7
